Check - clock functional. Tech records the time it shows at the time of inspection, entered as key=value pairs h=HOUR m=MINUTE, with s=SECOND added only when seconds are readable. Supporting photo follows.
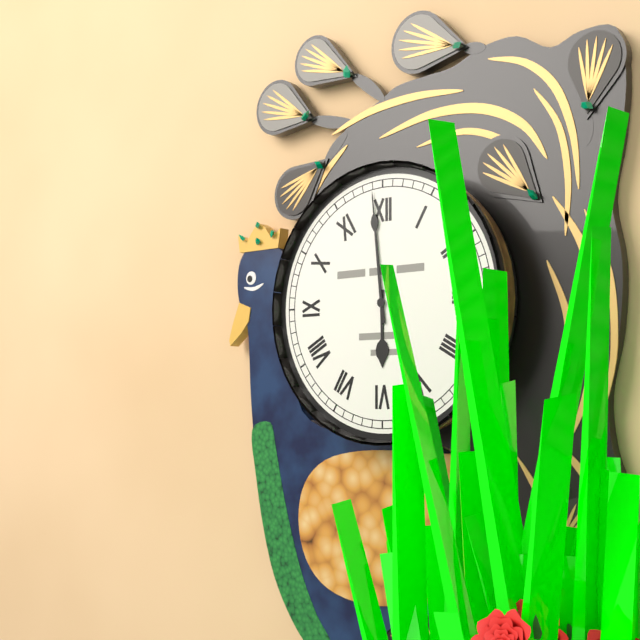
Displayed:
h=5 m=59
